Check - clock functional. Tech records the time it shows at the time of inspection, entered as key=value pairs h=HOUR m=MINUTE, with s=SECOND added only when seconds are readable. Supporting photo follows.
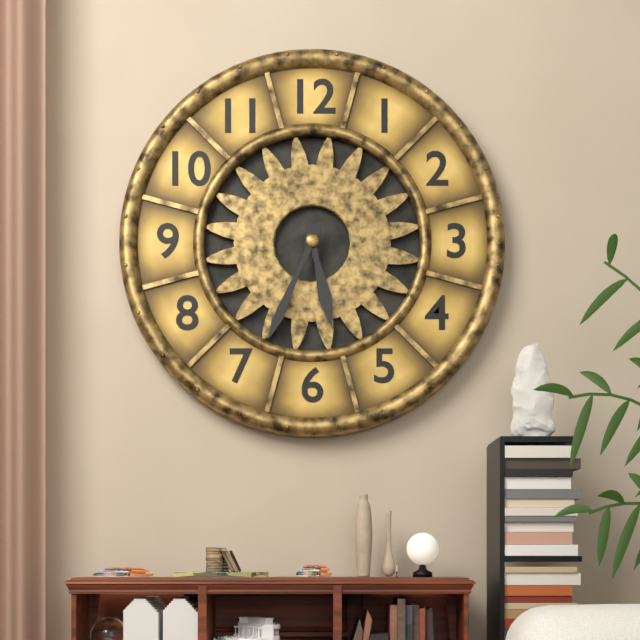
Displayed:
h=5 m=34
